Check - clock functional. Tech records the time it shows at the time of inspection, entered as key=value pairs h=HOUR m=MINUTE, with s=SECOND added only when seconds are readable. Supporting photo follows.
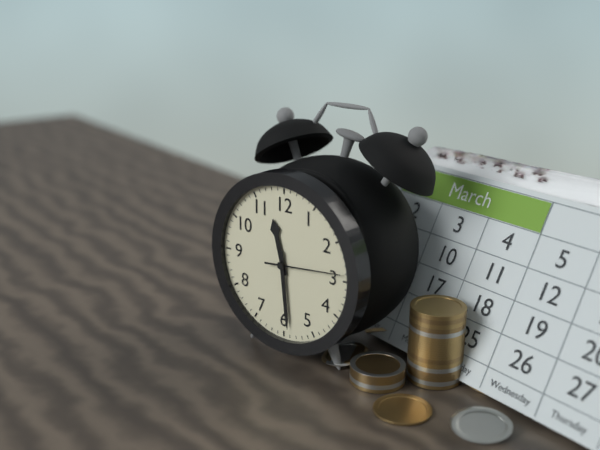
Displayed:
h=11 m=29 s=14
